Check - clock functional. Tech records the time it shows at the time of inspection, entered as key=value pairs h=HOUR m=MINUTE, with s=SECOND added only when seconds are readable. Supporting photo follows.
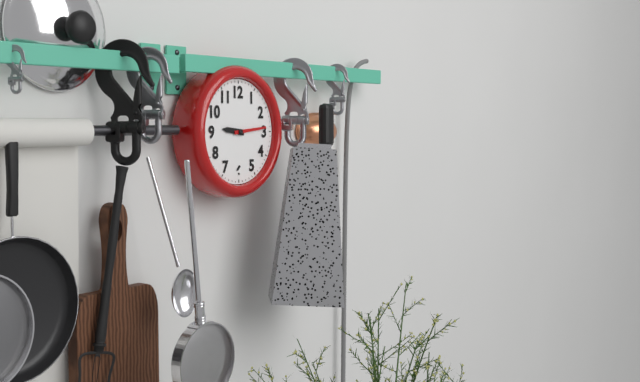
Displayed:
h=9 m=14
